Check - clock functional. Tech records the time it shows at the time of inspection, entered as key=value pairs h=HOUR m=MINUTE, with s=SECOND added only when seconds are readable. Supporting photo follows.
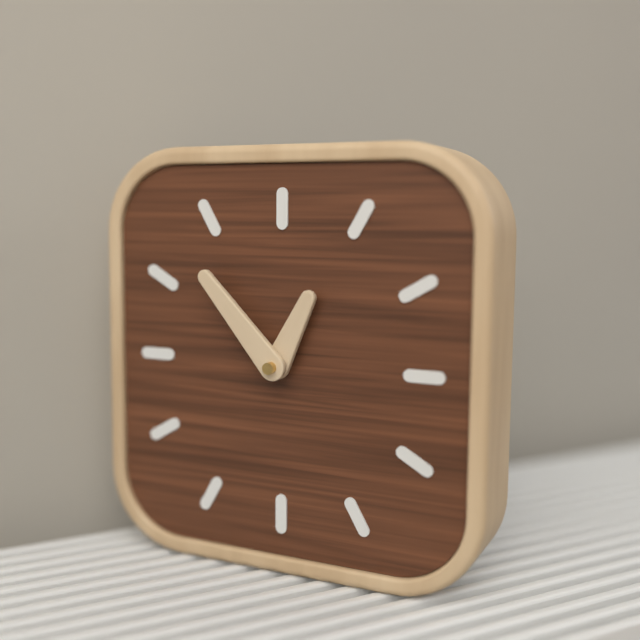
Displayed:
h=12 m=53
